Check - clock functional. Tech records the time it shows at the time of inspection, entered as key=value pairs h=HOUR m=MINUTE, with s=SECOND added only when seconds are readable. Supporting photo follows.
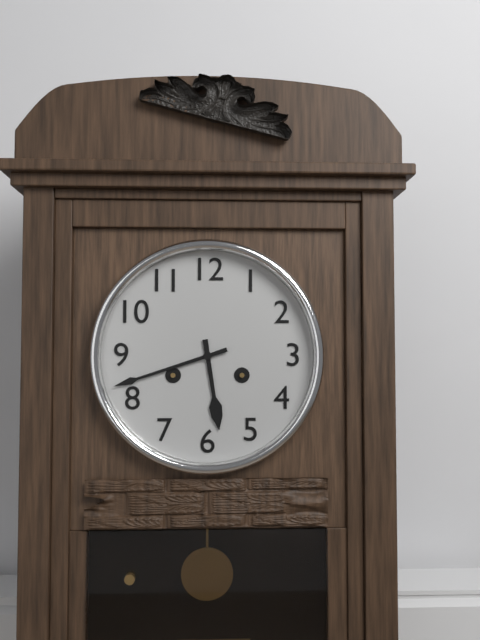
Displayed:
h=5 m=42
